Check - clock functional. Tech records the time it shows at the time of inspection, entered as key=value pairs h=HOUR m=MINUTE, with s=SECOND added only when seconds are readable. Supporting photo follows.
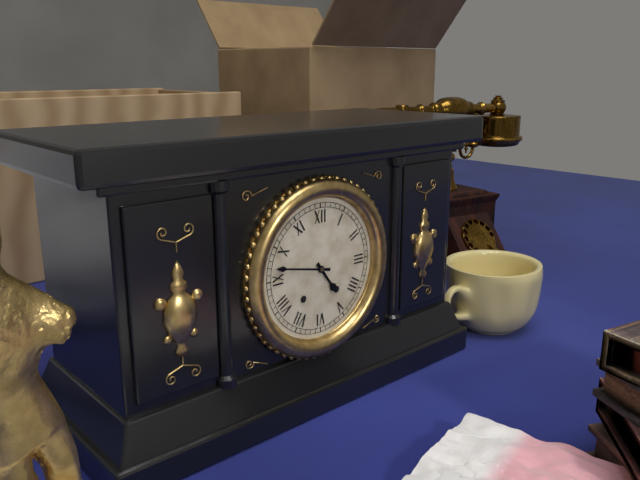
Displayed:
h=4 m=47
